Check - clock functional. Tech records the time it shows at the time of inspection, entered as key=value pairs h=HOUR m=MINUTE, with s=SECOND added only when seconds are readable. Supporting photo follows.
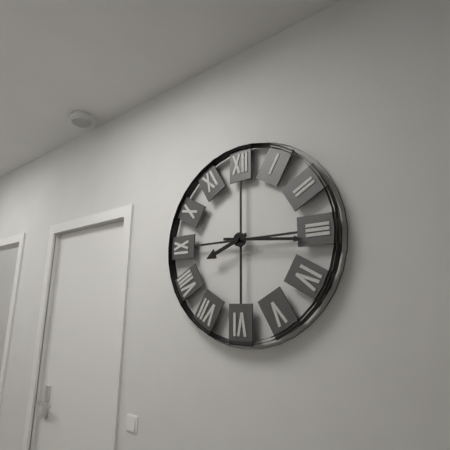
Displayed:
h=8 m=16
